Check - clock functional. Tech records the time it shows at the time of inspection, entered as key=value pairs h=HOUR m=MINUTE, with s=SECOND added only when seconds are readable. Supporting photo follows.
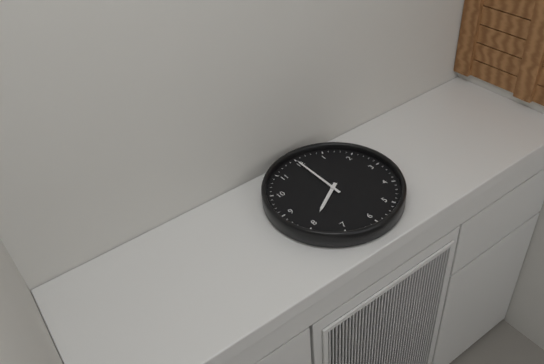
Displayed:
h=8 m=0
